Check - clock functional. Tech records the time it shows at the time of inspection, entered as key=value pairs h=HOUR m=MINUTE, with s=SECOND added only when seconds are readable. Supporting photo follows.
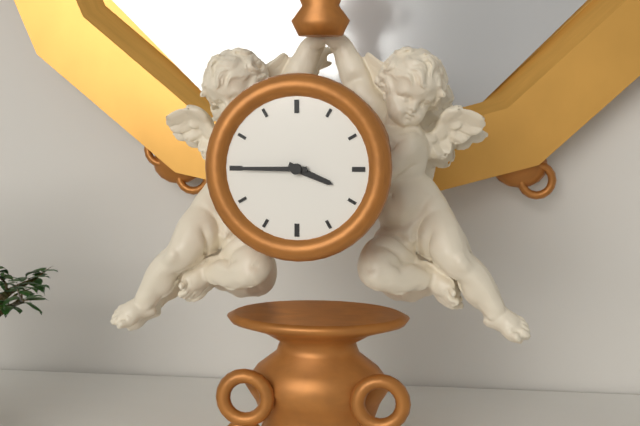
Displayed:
h=3 m=45
